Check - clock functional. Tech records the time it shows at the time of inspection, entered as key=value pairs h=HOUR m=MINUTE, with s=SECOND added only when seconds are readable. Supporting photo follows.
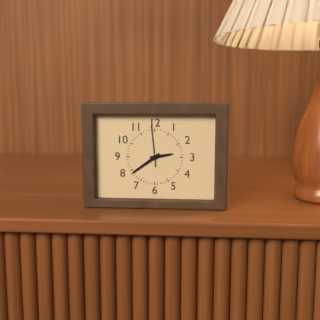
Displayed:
h=2 m=39
